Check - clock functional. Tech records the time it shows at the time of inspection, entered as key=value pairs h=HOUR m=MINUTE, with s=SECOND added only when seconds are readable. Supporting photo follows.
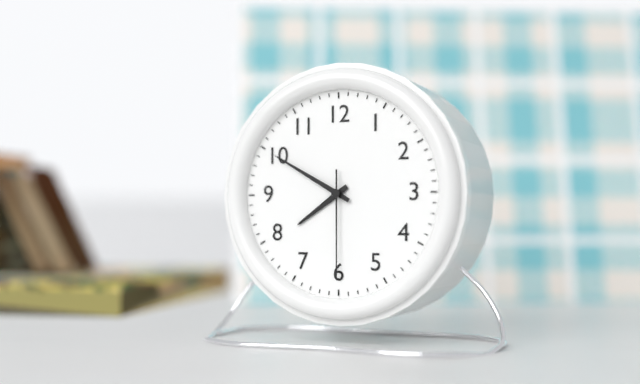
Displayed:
h=7 m=50 s=30
